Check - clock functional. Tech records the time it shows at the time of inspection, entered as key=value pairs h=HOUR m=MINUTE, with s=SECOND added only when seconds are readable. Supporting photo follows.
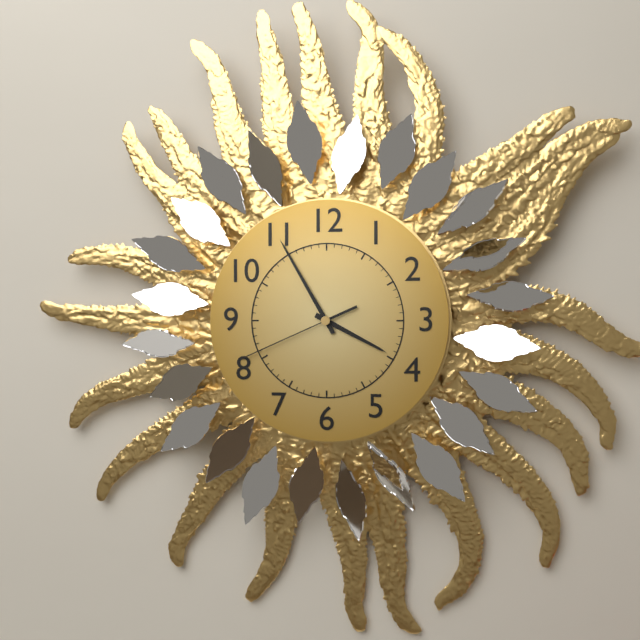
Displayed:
h=3 m=55 s=41
